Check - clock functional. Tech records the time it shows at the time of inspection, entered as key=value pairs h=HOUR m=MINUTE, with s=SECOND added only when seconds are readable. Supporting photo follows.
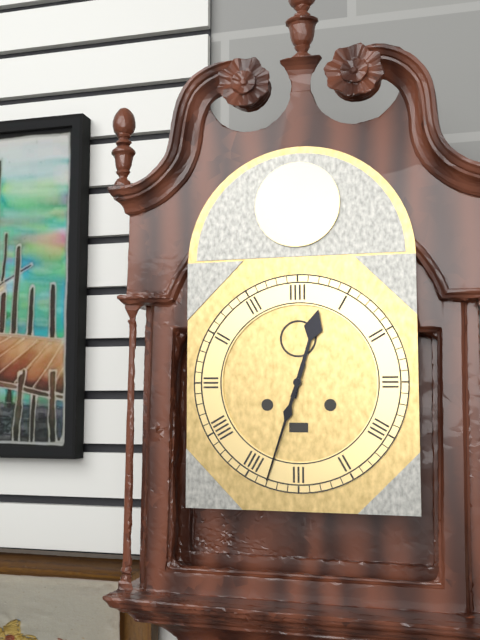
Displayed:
h=12 m=33
